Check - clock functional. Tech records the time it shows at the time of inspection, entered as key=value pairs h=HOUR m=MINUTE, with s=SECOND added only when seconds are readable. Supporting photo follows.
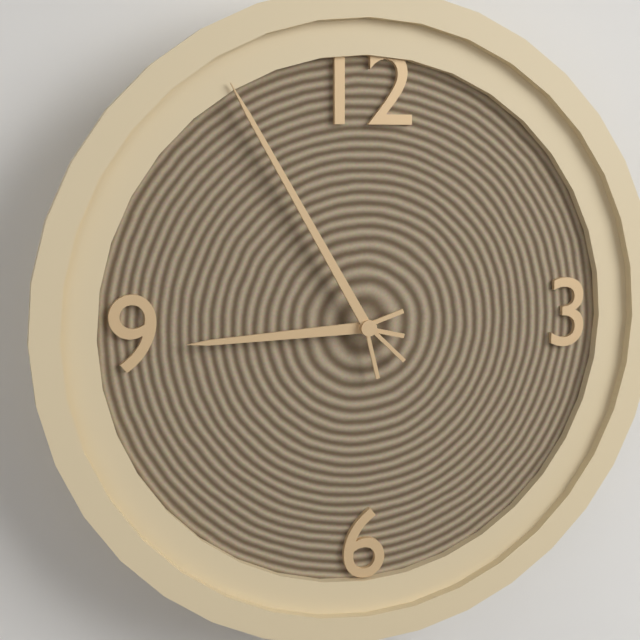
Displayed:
h=8 m=55
